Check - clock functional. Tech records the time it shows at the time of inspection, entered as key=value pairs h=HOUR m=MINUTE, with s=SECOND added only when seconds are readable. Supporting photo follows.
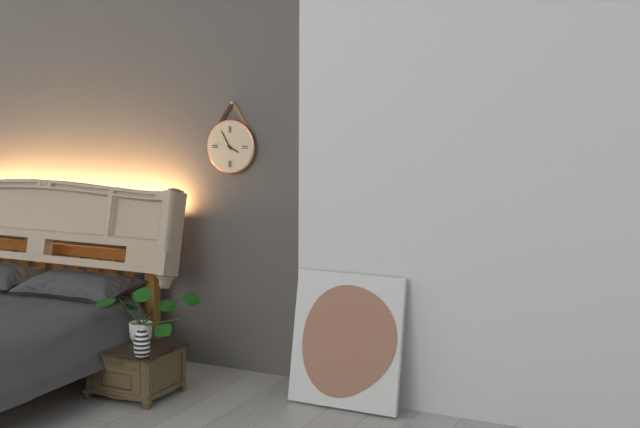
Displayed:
h=3 m=55
